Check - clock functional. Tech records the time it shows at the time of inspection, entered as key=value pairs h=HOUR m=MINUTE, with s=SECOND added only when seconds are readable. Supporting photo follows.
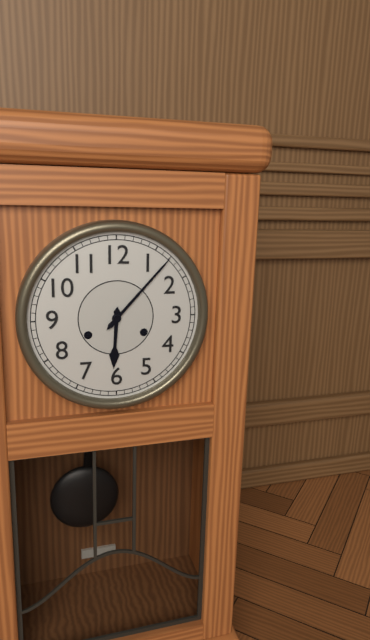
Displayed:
h=6 m=7
